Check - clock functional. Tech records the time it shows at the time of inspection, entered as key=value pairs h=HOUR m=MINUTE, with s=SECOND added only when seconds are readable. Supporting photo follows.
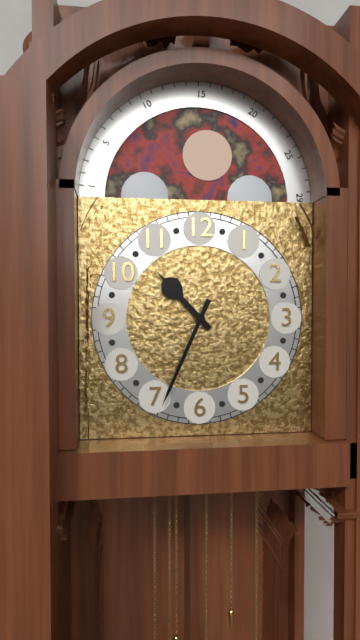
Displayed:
h=10 m=34
